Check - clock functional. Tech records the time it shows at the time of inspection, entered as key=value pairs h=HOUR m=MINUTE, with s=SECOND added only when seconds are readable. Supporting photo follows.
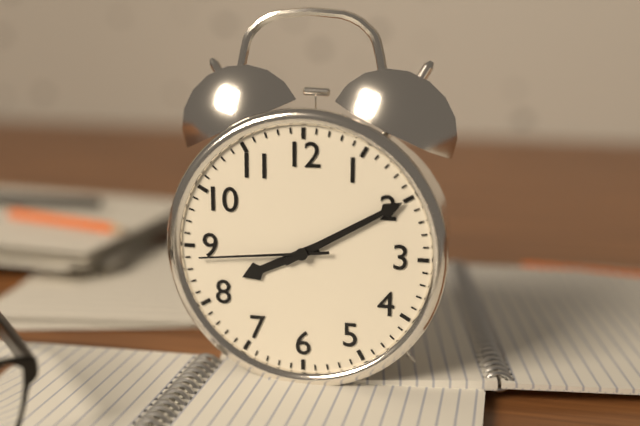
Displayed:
h=8 m=10 s=44
